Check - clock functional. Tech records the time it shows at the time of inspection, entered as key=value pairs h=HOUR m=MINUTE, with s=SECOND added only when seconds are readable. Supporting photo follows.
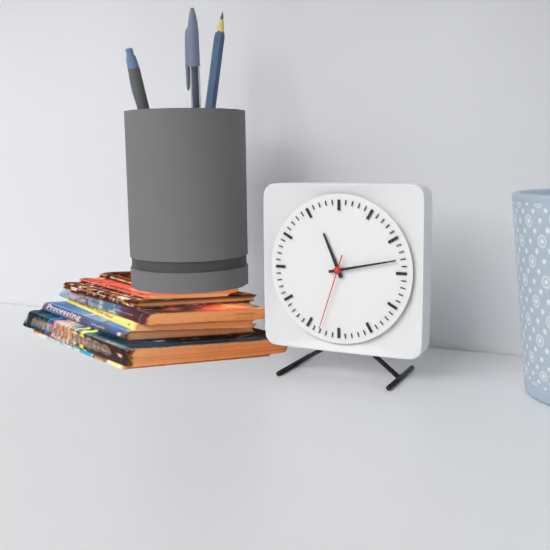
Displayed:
h=11 m=13 s=33
